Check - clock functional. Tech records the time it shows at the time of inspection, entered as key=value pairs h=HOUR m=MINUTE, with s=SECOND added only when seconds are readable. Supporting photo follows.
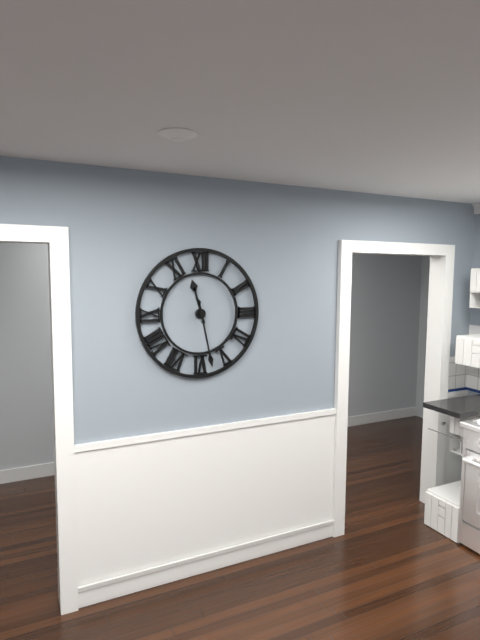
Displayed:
h=11 m=28
